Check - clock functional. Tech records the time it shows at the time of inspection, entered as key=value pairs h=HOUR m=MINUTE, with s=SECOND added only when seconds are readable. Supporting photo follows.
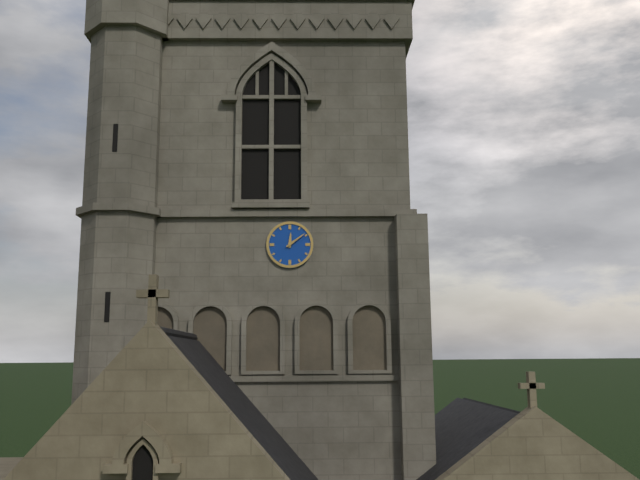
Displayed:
h=12 m=9
